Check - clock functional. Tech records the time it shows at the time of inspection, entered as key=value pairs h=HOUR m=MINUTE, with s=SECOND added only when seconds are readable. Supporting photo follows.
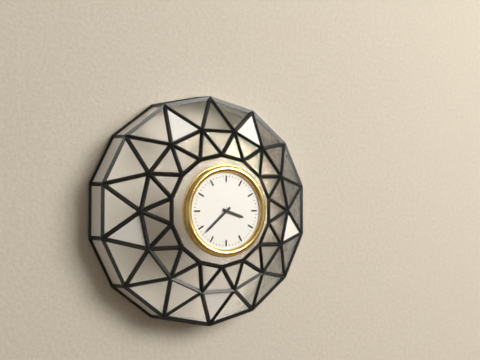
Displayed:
h=3 m=38
